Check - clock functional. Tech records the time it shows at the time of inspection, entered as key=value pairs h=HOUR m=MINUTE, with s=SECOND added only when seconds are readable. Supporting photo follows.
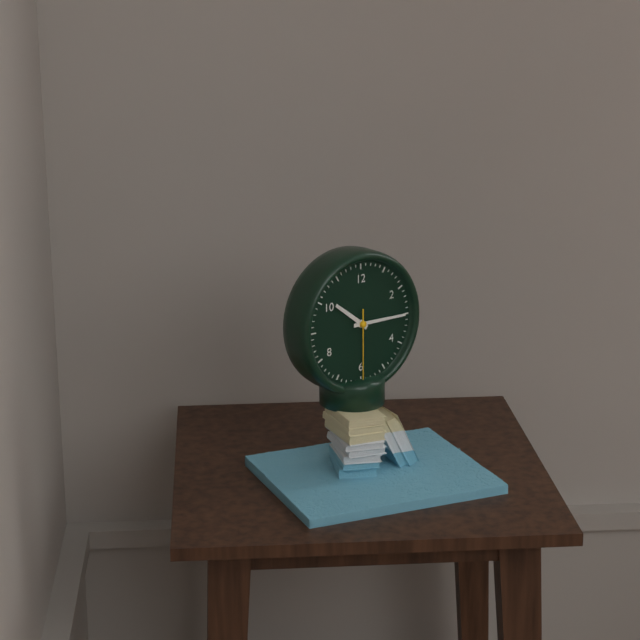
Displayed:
h=10 m=15 s=30
